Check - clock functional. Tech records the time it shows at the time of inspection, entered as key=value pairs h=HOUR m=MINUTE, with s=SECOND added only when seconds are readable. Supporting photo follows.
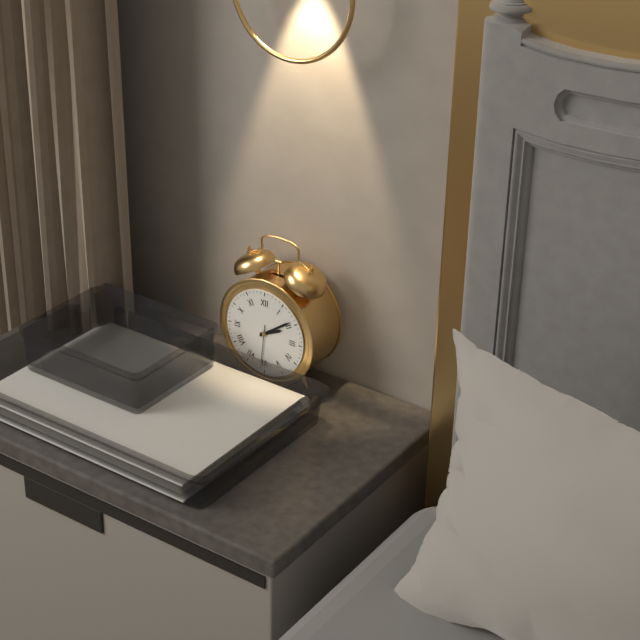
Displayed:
h=2 m=9
